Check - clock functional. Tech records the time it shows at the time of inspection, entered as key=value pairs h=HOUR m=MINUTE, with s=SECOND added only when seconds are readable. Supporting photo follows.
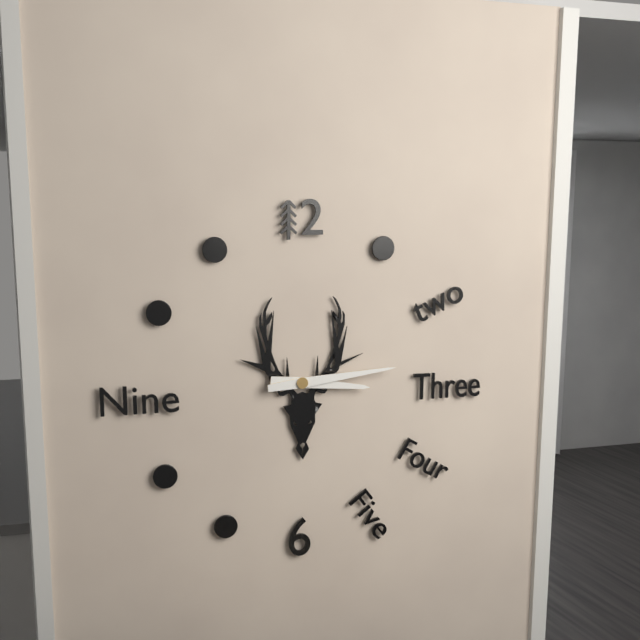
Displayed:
h=3 m=14
